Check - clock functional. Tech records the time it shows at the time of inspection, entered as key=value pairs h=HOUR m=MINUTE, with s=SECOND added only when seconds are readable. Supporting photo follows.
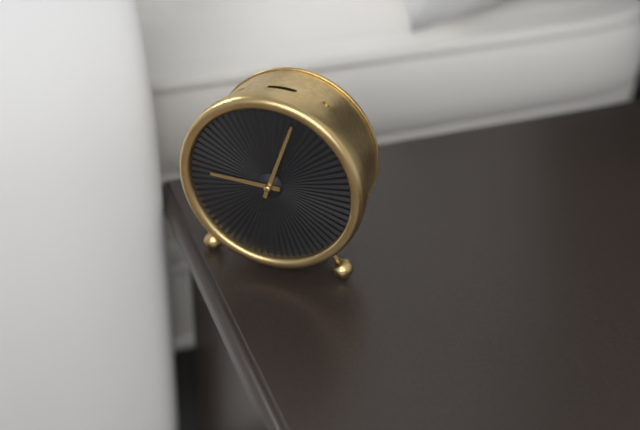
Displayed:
h=9 m=3
